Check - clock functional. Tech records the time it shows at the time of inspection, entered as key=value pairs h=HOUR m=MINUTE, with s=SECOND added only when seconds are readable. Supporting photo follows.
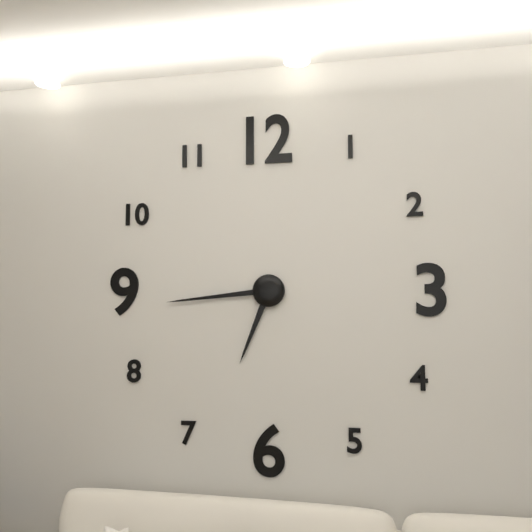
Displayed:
h=6 m=44
